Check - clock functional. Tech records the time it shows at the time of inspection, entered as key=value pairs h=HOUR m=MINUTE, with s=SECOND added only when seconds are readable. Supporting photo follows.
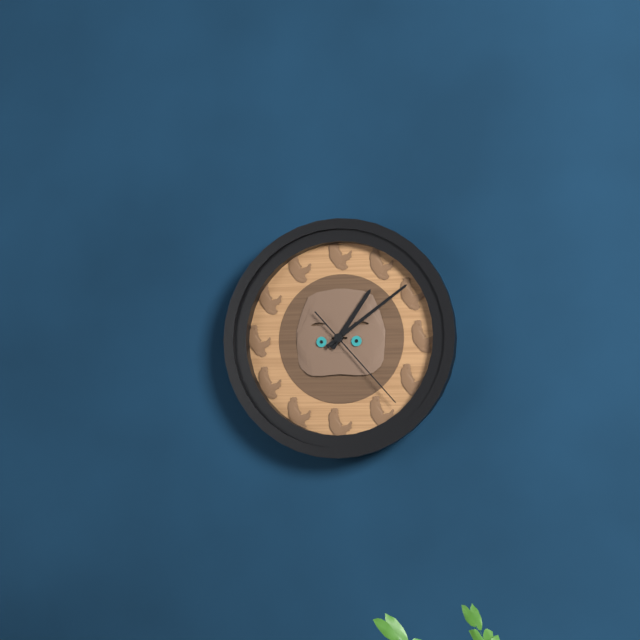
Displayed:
h=1 m=9 s=23
